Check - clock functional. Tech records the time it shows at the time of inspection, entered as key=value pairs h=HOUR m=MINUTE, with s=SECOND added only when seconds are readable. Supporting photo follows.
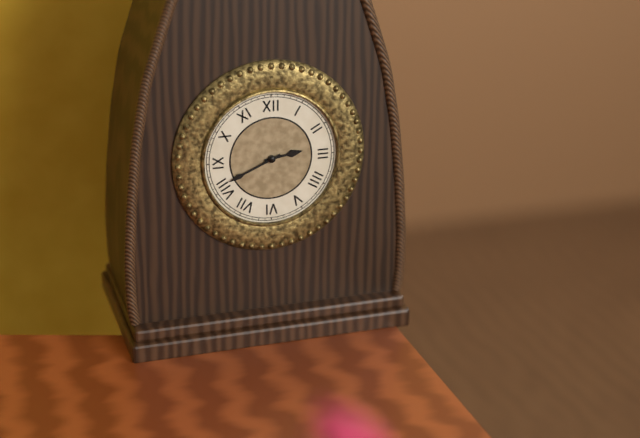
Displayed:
h=2 m=41
